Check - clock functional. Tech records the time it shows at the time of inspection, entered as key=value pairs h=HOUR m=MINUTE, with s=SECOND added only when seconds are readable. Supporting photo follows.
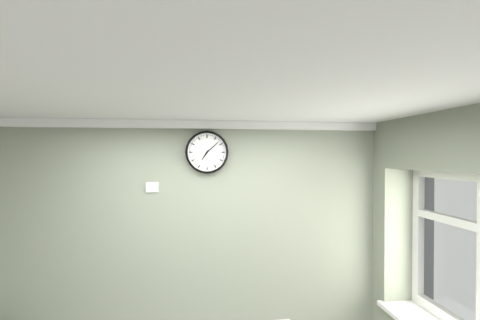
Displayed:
h=7 m=8
